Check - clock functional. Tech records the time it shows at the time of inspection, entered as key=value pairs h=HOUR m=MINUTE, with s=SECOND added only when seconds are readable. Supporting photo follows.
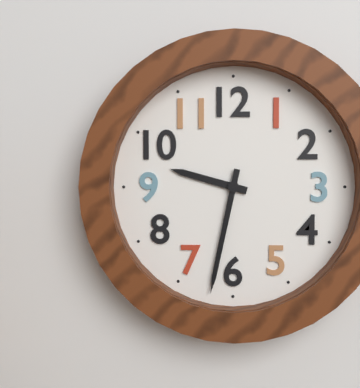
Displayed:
h=9 m=32
